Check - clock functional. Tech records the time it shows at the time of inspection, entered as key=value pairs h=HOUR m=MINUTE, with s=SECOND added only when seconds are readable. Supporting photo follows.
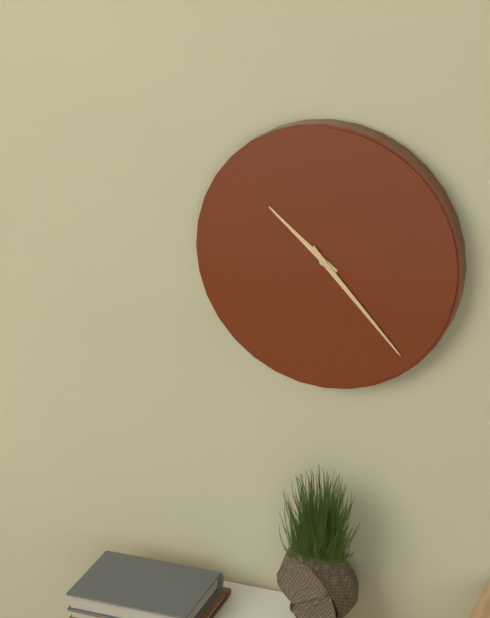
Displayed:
h=10 m=23
